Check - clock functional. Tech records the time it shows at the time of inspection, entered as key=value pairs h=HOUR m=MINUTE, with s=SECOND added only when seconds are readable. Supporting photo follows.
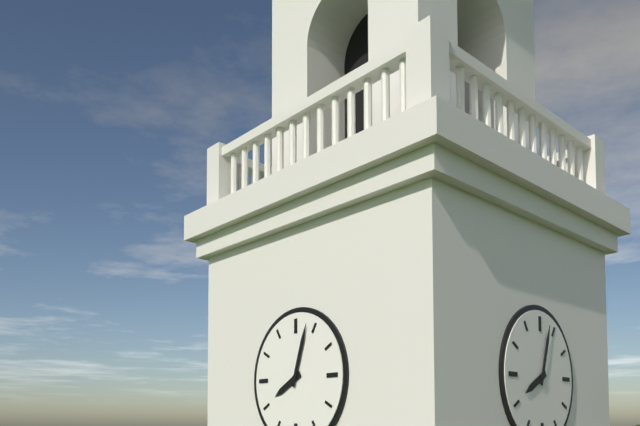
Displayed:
h=8 m=3
